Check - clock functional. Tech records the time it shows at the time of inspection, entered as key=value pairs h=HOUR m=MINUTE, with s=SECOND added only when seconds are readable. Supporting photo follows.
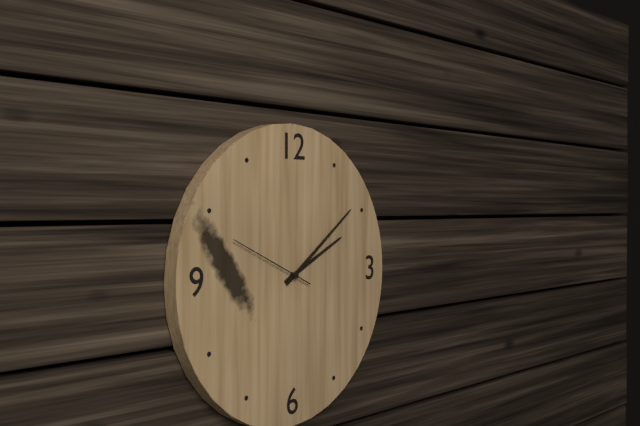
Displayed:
h=2 m=9 s=49
